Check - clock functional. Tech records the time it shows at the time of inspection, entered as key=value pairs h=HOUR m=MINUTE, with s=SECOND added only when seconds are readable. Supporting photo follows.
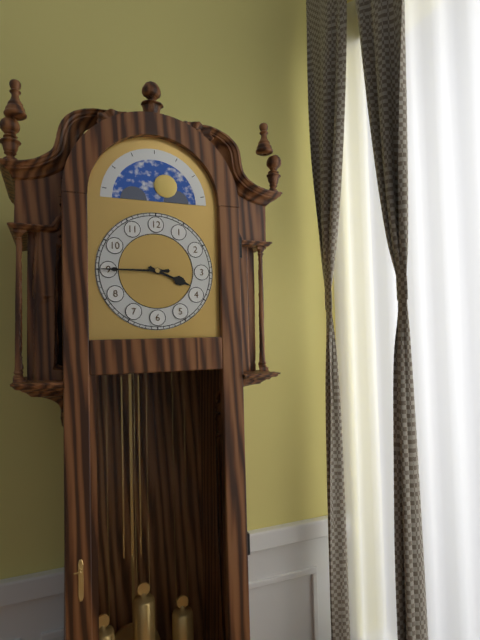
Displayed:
h=3 m=45
